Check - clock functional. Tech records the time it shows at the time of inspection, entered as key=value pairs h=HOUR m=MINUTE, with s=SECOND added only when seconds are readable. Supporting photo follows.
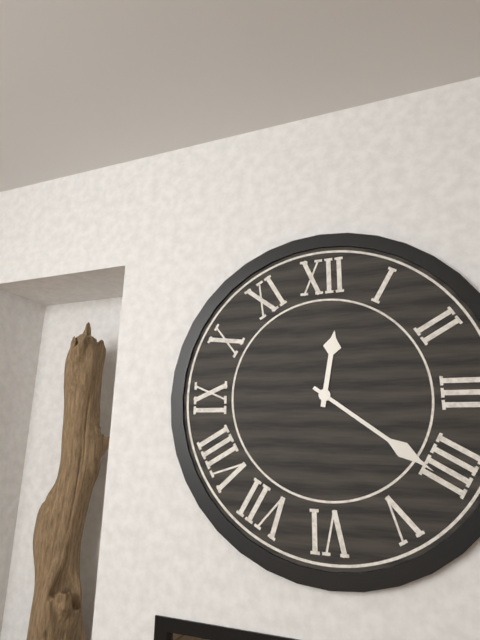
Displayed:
h=12 m=21
